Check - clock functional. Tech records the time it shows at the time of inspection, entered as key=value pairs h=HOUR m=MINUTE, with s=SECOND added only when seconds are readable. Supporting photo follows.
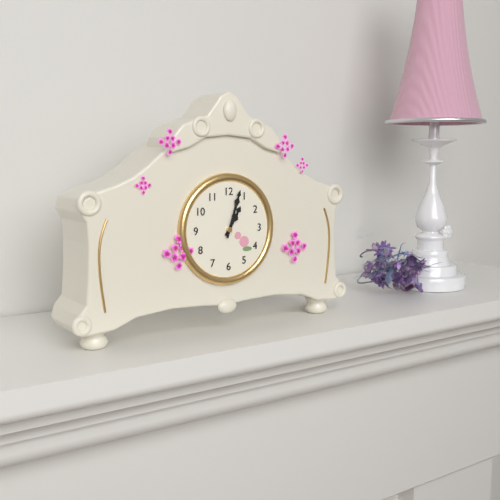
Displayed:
h=1 m=3
